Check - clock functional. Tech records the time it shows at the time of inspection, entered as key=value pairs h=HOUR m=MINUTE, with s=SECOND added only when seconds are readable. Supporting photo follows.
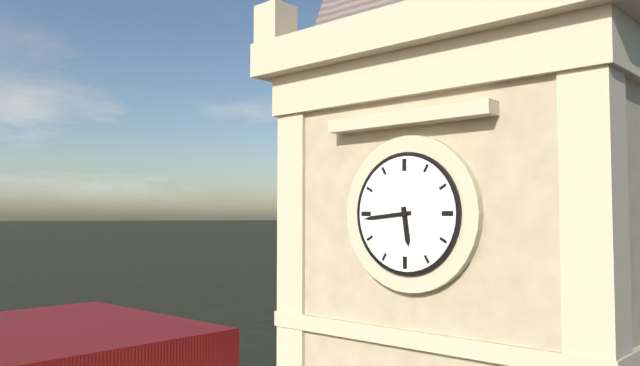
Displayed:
h=5 m=44
